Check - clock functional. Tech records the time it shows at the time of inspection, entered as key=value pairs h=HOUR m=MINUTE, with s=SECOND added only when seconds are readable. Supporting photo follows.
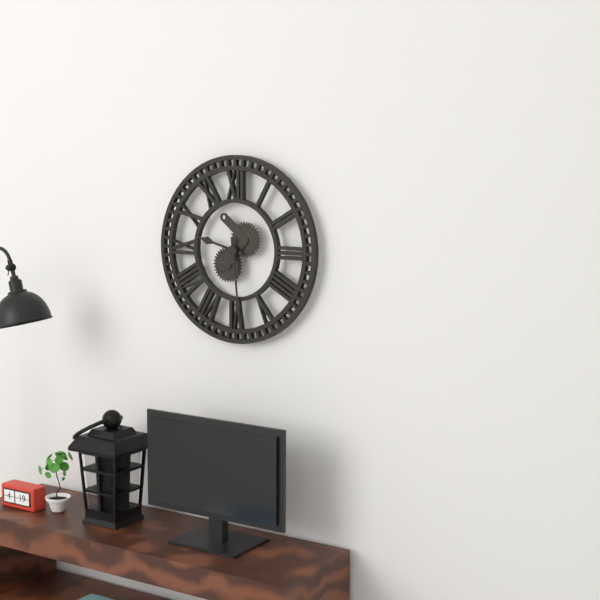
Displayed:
h=9 m=29
